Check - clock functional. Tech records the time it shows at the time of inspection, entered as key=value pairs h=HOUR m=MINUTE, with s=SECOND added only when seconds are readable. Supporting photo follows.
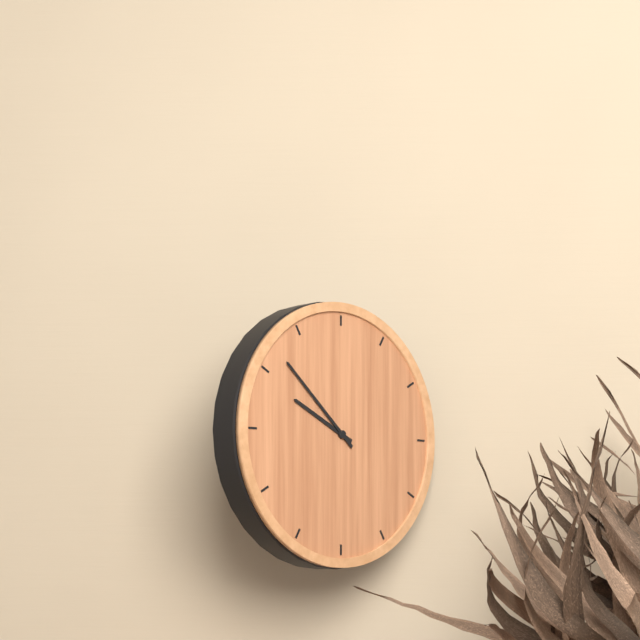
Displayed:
h=9 m=52
